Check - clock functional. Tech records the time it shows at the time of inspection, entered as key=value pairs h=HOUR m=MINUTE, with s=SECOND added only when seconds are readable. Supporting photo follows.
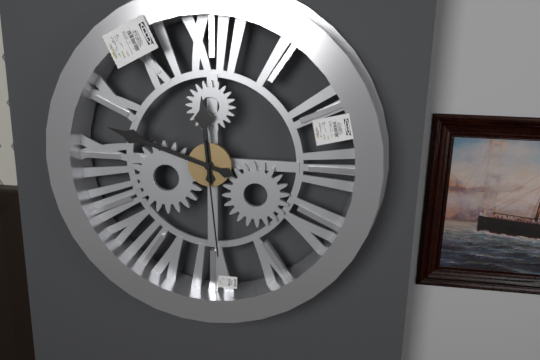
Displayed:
h=11 m=48 s=29
